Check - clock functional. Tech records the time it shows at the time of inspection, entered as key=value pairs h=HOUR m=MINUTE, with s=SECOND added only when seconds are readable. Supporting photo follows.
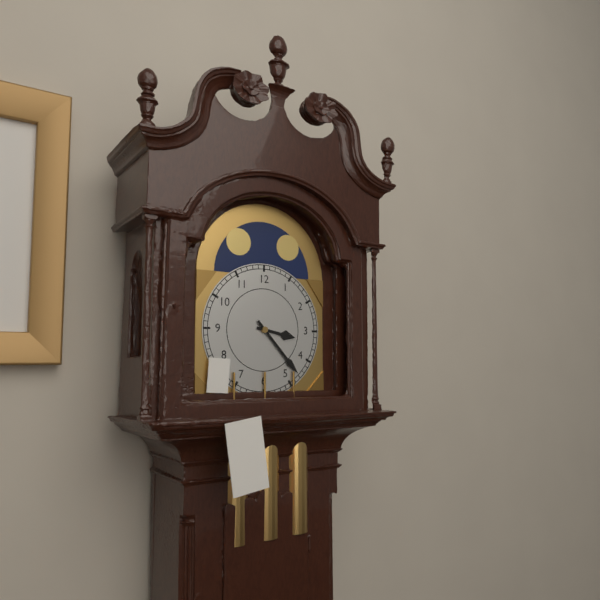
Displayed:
h=3 m=23
